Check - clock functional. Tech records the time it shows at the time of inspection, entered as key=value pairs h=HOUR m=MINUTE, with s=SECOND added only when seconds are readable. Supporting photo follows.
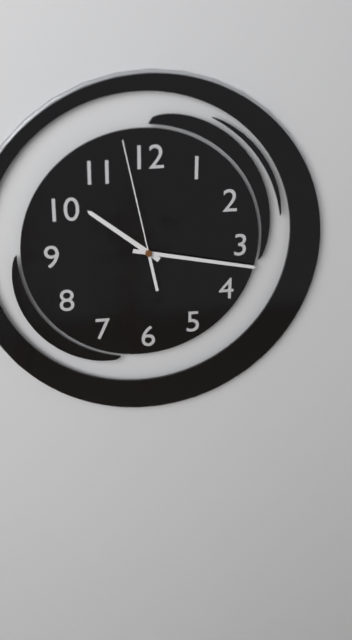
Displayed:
h=10 m=17 s=58
